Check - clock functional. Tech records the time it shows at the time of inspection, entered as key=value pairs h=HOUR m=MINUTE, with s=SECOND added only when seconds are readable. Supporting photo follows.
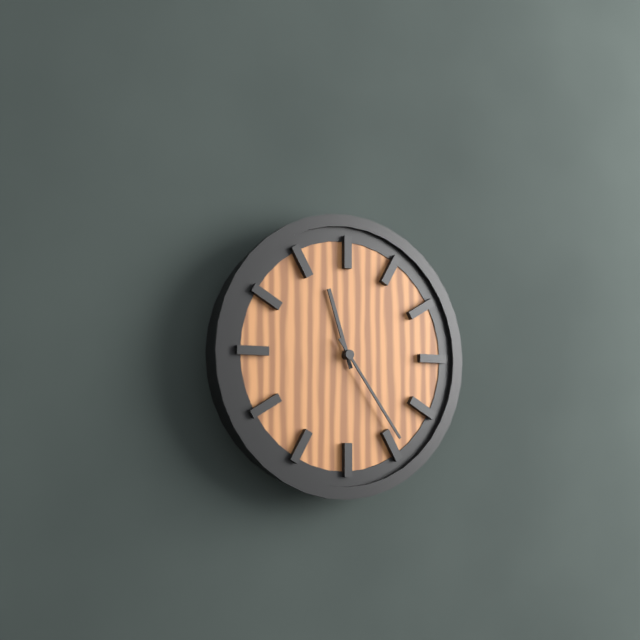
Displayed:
h=11 m=24
